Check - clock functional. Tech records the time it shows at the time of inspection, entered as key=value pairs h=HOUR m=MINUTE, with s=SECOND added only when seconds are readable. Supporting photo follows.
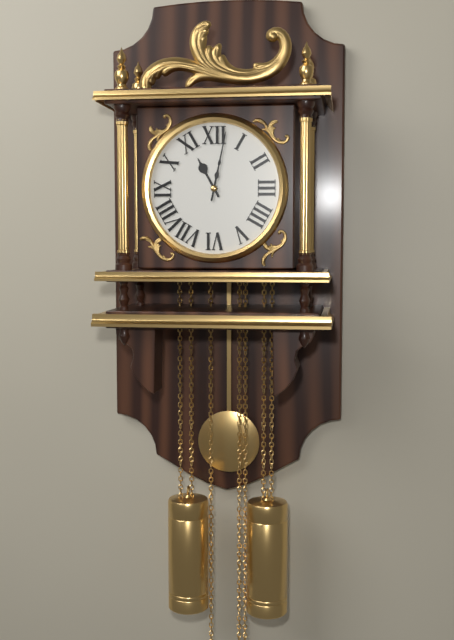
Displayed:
h=11 m=2
